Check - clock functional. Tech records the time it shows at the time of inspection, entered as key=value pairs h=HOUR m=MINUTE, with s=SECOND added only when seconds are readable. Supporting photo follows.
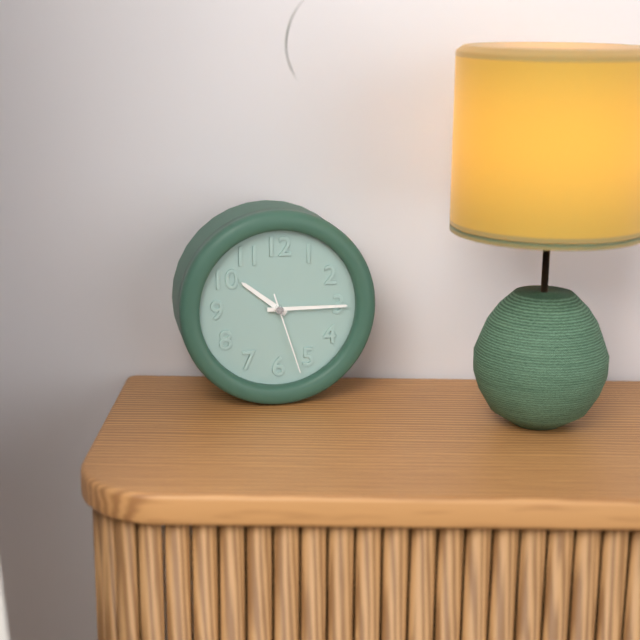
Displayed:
h=10 m=15 s=27
